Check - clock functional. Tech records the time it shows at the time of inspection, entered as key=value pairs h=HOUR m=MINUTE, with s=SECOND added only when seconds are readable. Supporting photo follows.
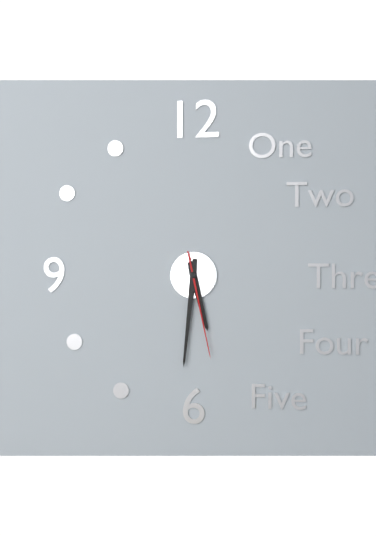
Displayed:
h=5 m=31 s=28
